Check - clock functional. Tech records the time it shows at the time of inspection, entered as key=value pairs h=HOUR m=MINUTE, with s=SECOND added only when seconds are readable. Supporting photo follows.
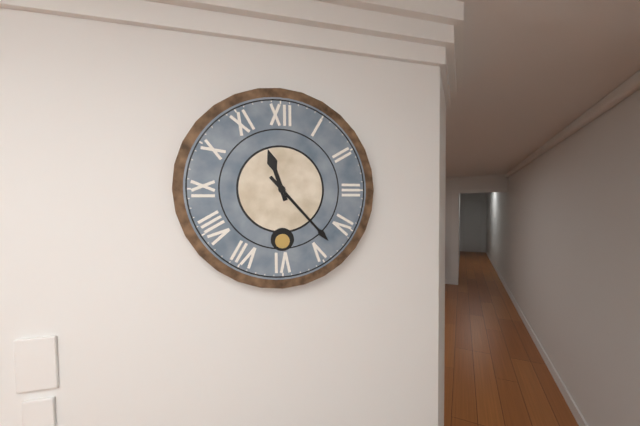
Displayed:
h=11 m=23
